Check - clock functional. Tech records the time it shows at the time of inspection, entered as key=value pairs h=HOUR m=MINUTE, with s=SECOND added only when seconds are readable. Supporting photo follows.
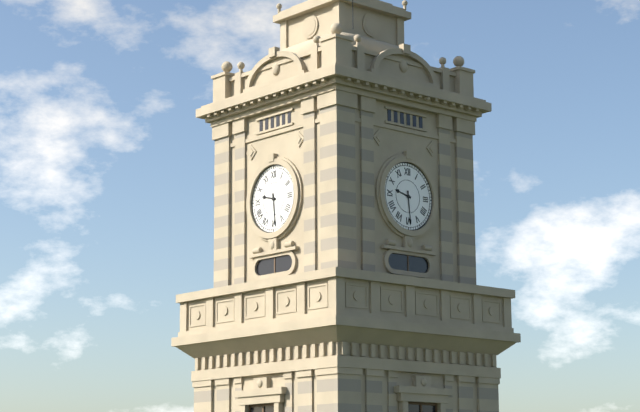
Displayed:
h=9 m=29
